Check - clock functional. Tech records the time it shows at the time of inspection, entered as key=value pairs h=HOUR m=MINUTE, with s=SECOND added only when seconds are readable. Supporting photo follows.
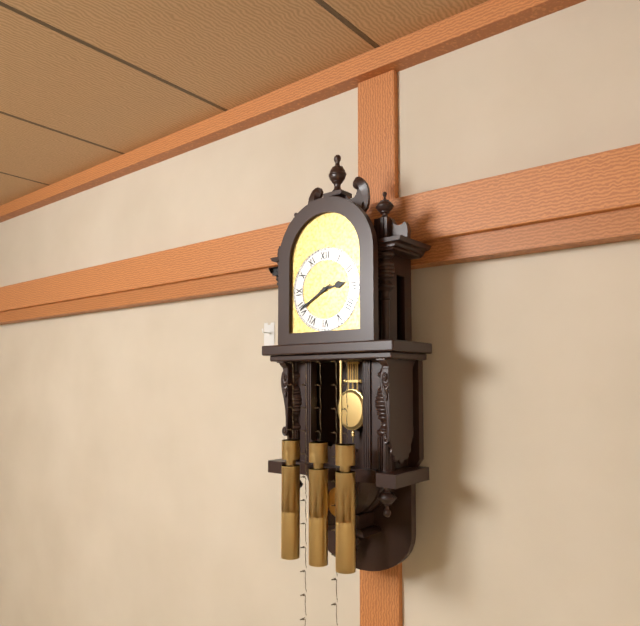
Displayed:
h=2 m=40
